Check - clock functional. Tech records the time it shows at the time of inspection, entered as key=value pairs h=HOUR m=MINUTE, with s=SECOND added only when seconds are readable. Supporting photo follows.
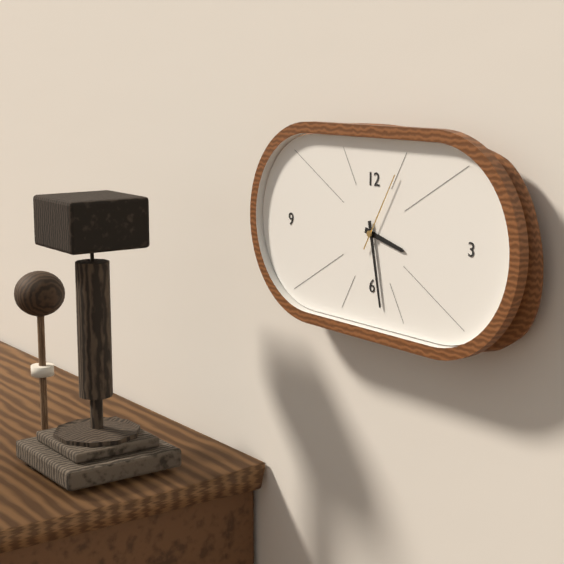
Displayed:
h=3 m=28 s=5
